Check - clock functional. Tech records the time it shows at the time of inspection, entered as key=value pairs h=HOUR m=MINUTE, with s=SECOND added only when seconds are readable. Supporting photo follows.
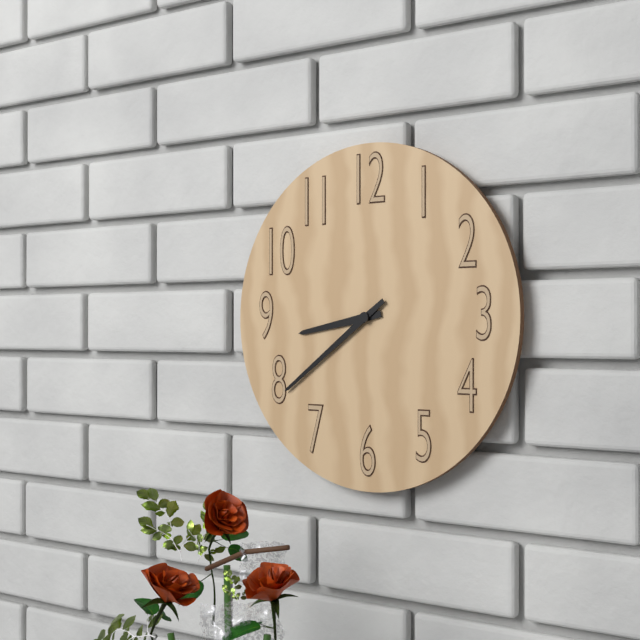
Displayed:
h=8 m=39
